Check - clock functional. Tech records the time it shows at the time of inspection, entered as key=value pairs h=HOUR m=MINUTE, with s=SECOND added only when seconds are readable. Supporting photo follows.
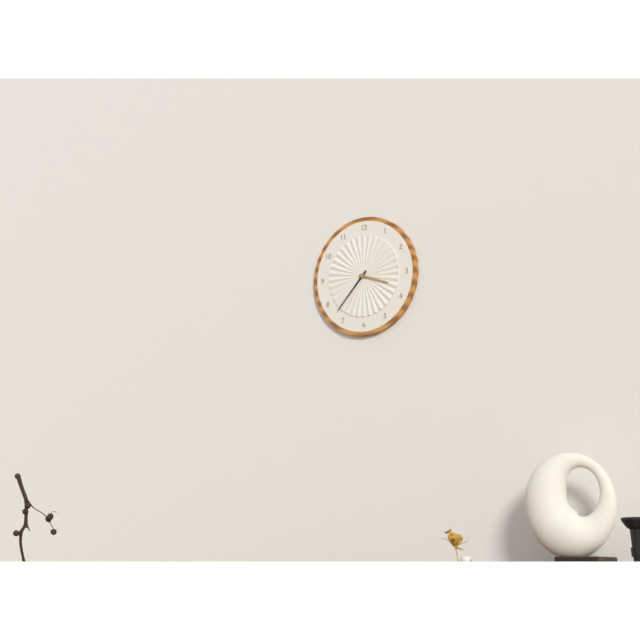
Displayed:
h=3 m=37
